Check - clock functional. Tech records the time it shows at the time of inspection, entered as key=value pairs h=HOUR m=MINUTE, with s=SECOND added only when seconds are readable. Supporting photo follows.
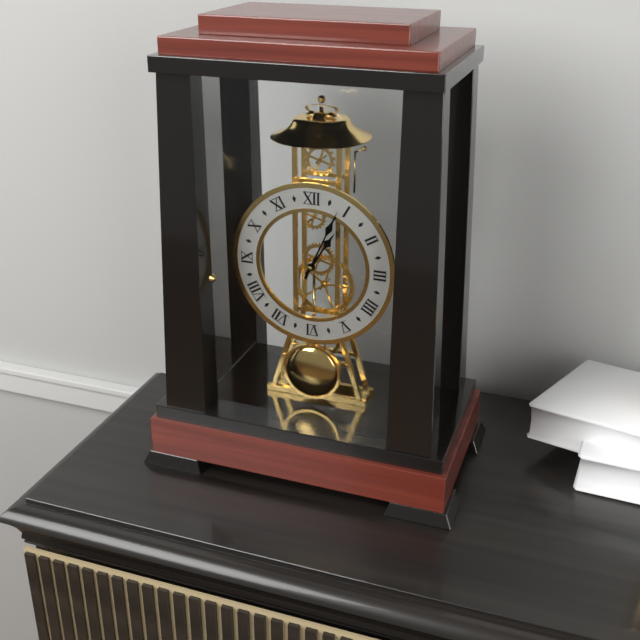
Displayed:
h=1 m=4
